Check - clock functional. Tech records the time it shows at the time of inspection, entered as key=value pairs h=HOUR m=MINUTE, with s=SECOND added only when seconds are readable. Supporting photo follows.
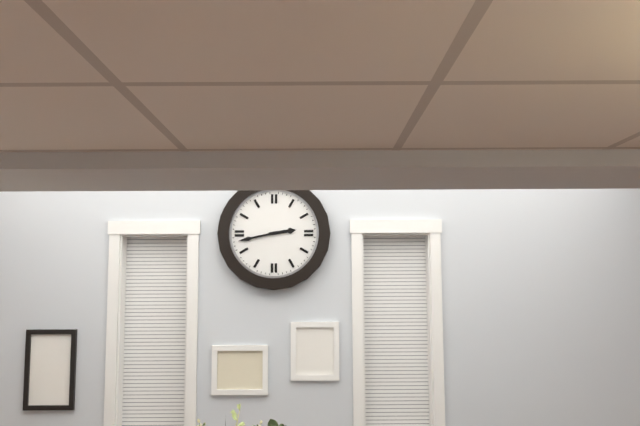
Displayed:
h=2 m=43
